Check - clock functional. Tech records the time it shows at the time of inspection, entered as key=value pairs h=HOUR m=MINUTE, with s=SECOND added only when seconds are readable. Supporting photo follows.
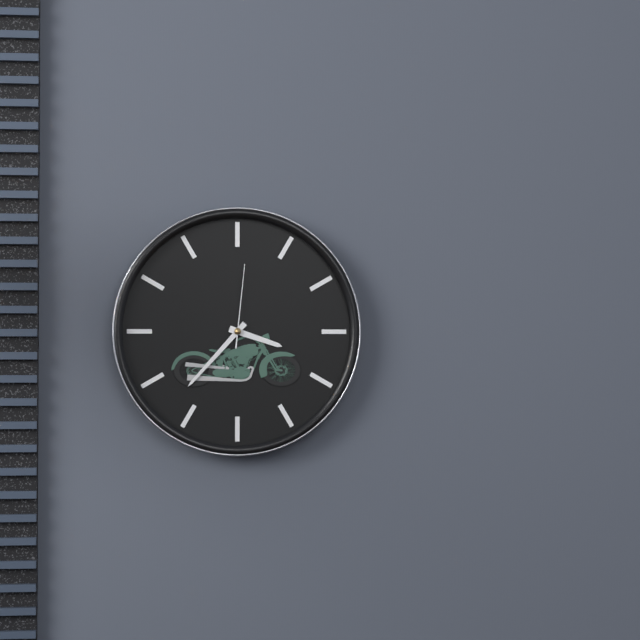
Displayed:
h=3 m=37 s=1
